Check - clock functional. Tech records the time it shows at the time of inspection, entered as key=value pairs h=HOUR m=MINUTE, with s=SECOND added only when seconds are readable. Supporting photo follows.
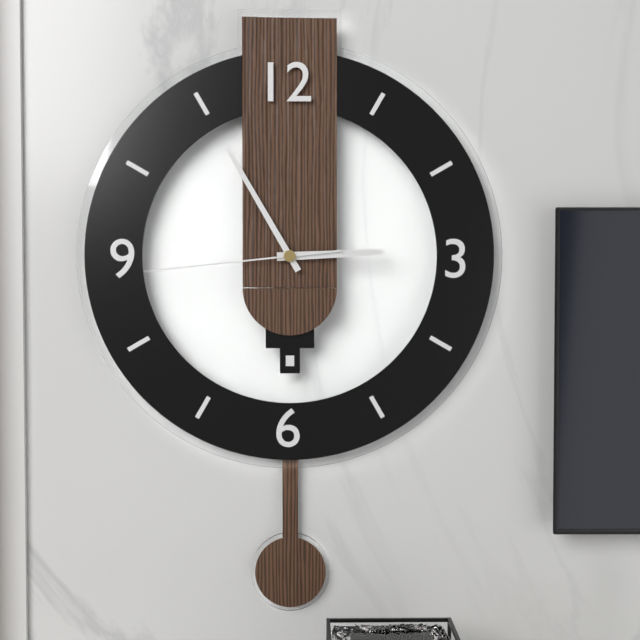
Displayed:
h=2 m=55 s=44
